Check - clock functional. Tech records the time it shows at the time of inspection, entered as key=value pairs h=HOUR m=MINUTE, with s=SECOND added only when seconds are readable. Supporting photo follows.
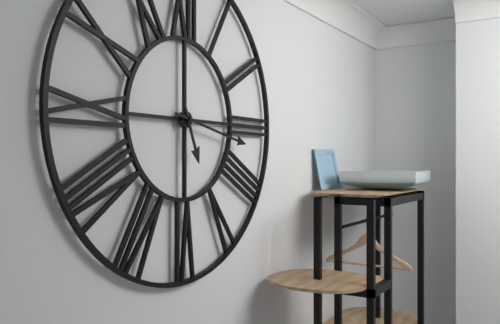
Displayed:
h=5 m=17
